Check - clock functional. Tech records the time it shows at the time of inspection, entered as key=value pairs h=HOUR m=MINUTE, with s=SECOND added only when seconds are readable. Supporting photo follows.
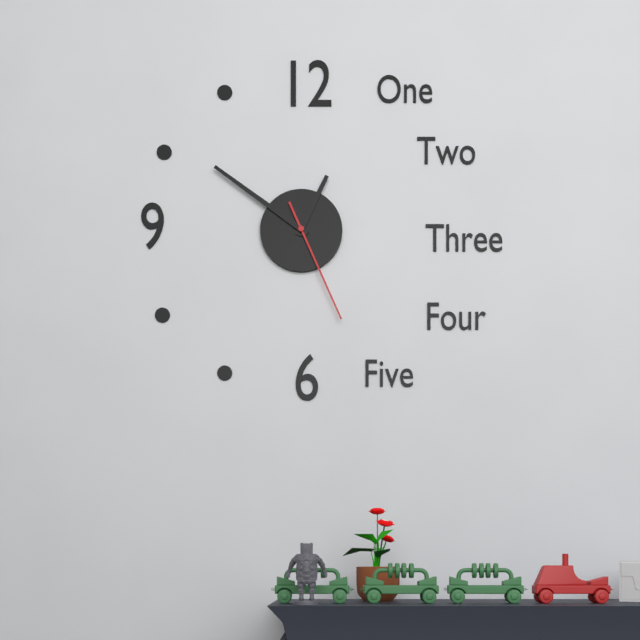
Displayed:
h=12 m=51 s=26
